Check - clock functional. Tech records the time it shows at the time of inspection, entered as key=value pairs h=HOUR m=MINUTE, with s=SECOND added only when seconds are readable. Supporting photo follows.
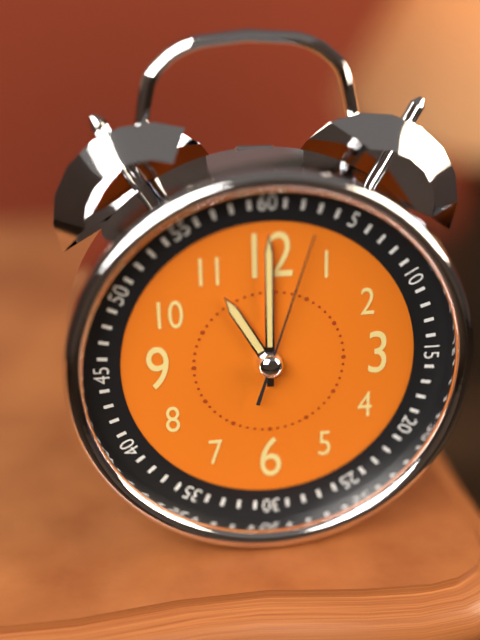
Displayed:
h=11 m=0 s=3
